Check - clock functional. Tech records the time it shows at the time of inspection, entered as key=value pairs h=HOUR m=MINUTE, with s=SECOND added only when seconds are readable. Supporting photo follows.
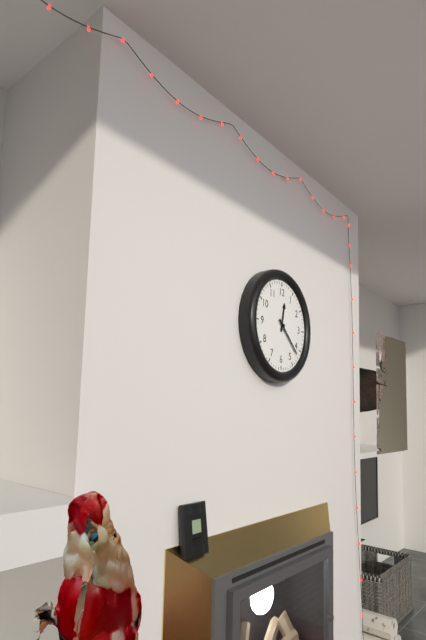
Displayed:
h=12 m=22
